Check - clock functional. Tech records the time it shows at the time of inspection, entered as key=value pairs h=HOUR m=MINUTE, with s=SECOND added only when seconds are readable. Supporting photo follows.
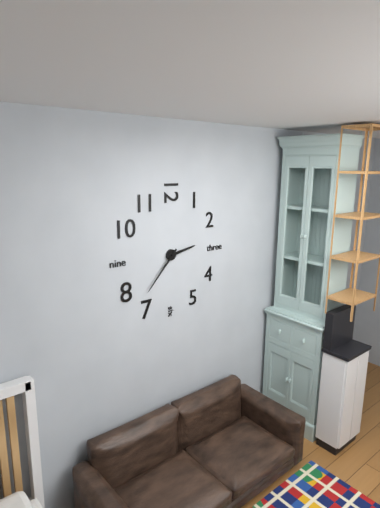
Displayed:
h=2 m=37
